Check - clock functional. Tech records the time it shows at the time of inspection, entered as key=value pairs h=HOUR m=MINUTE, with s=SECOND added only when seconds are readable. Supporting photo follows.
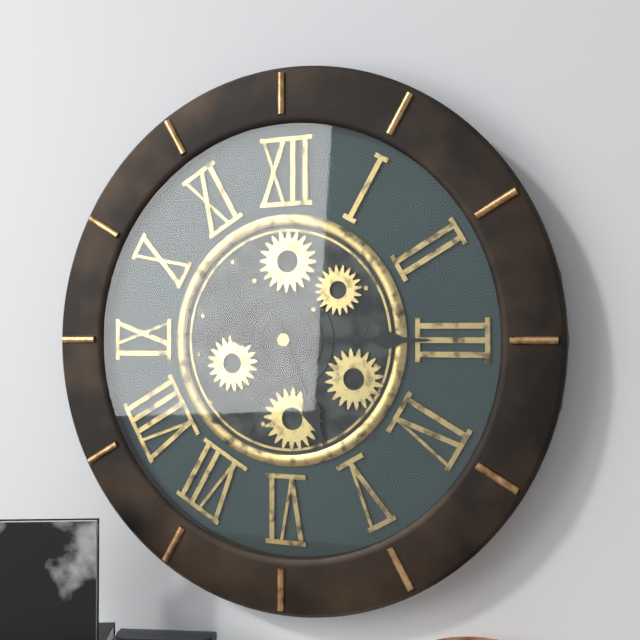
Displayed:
h=5 m=15
